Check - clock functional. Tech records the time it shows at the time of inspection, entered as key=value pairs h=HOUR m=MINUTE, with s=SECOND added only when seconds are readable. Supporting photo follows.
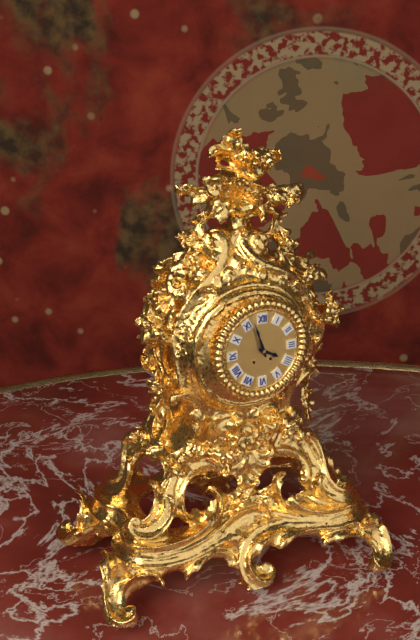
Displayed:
h=3 m=57
